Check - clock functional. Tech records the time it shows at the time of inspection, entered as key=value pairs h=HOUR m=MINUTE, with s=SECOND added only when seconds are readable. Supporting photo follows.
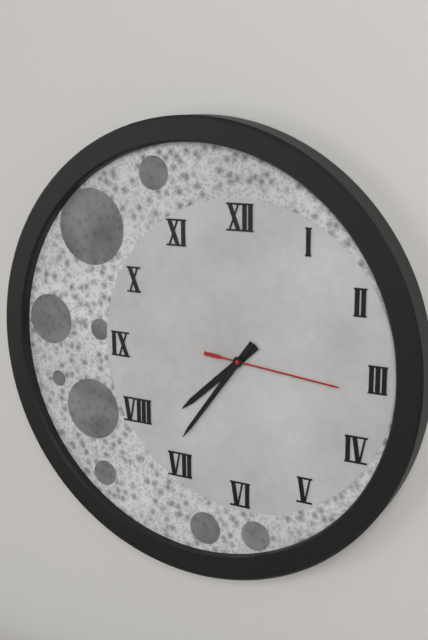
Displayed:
h=7 m=36 s=16
